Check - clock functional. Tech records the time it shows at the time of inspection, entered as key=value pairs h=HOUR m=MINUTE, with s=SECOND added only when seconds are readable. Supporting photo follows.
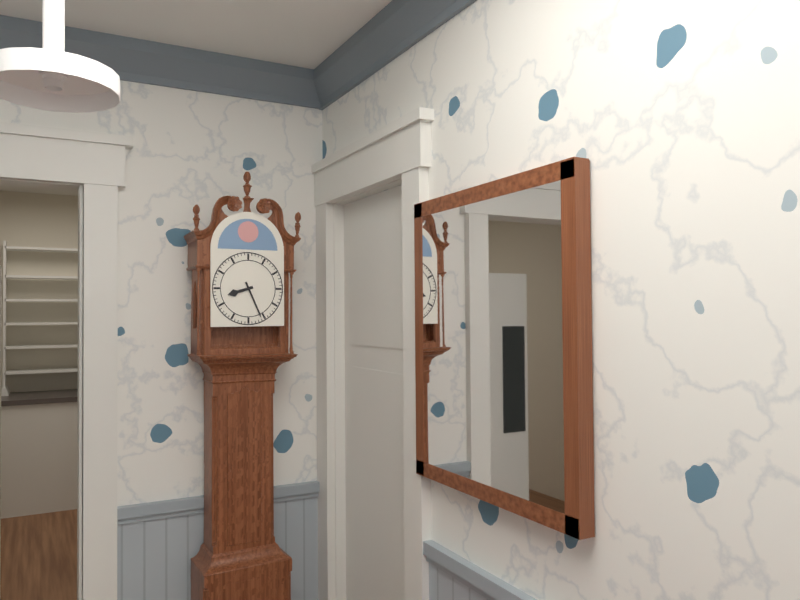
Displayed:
h=8 m=26
